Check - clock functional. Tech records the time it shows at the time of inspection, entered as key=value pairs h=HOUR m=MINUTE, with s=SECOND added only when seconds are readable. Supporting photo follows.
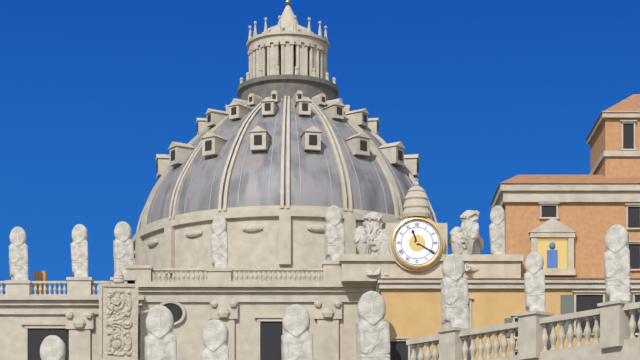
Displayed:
h=11 m=20
